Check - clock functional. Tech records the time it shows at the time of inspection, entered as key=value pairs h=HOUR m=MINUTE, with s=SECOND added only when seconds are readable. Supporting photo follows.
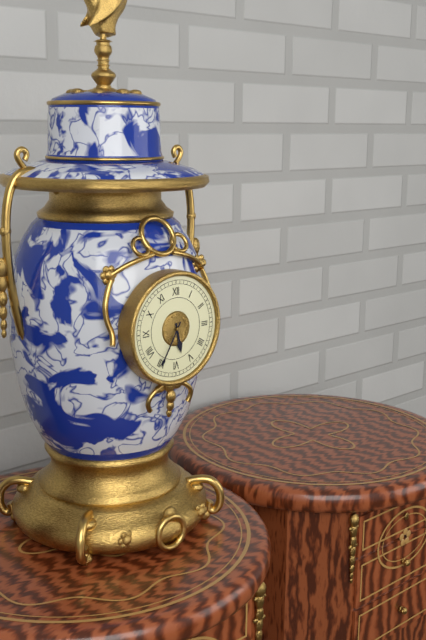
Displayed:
h=5 m=35
